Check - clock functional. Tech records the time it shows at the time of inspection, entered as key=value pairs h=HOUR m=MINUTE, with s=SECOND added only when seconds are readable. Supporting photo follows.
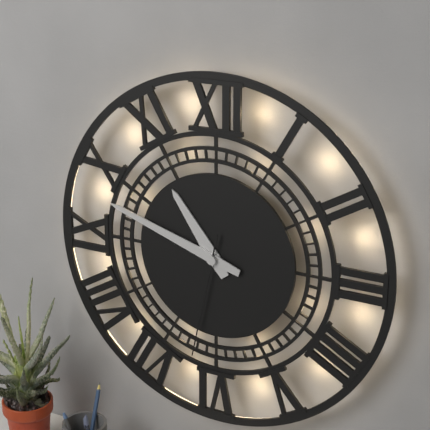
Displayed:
h=10 m=48 s=32
